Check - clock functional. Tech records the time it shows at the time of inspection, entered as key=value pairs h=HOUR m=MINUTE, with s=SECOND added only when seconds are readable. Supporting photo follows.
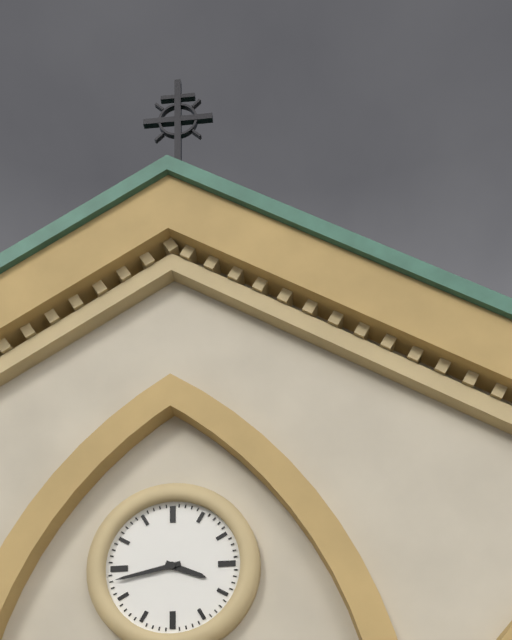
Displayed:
h=3 m=43
